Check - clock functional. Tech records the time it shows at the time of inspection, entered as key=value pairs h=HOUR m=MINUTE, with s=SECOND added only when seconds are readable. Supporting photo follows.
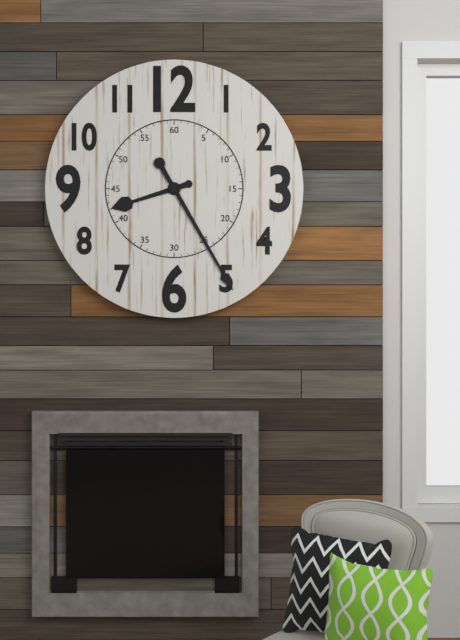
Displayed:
h=8 m=25
